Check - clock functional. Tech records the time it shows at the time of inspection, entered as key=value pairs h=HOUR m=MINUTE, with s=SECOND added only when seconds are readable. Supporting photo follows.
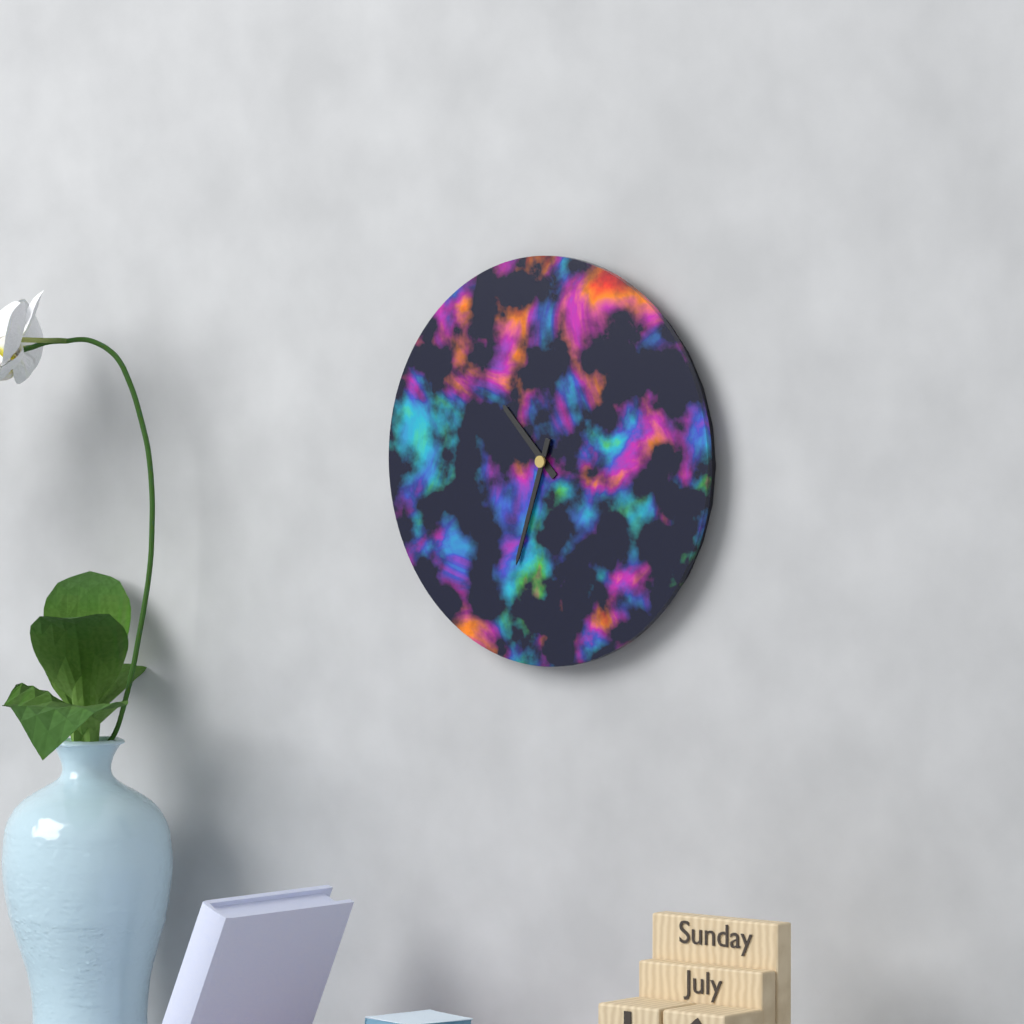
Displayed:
h=10 m=33
